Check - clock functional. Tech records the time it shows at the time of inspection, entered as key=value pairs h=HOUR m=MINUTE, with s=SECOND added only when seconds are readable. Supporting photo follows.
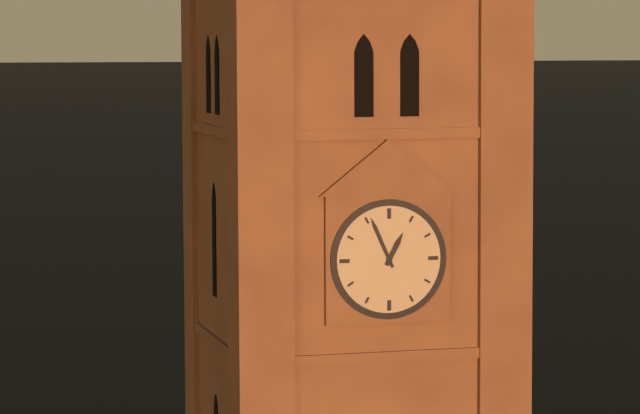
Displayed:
h=12 m=56
